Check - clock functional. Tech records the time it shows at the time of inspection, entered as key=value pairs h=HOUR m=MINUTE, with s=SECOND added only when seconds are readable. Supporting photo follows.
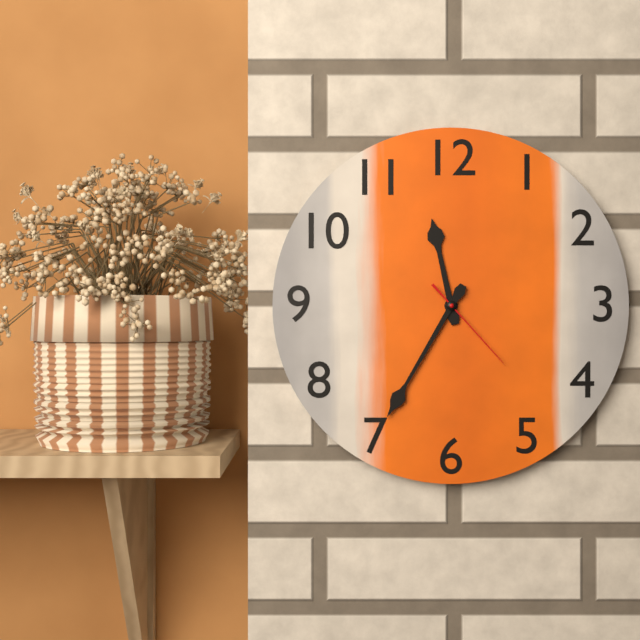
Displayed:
h=11 m=35 s=23
